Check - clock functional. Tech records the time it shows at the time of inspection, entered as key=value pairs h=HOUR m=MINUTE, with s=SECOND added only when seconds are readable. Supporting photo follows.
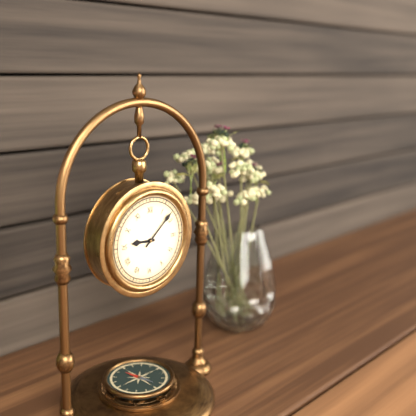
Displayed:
h=9 m=8
